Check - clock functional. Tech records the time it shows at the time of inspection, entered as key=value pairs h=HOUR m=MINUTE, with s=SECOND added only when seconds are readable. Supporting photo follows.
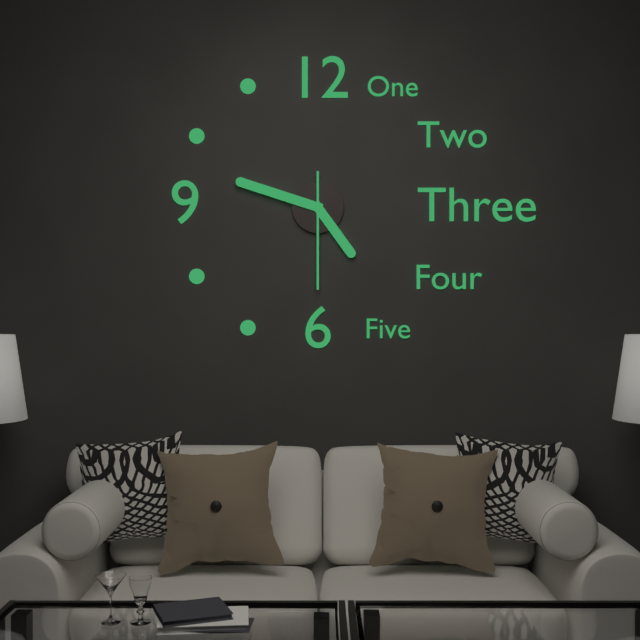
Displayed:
h=4 m=48 s=30
